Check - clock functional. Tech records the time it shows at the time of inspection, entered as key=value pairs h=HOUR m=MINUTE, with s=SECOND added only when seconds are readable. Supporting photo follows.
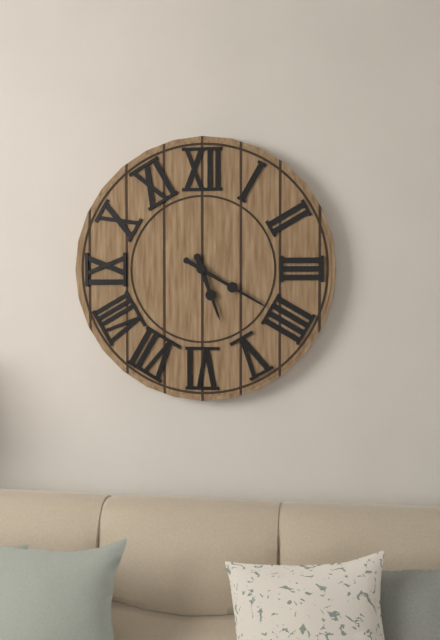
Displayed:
h=5 m=20
